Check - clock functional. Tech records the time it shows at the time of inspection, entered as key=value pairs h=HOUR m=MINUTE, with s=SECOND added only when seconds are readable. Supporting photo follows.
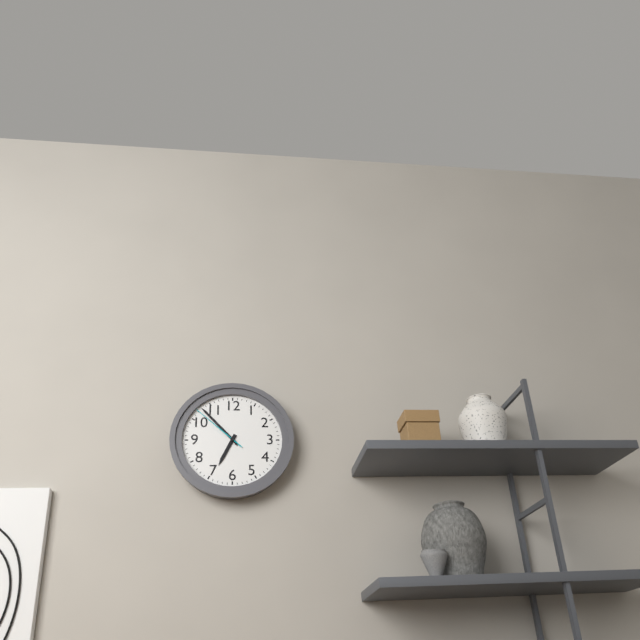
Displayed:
h=6 m=53 s=52
